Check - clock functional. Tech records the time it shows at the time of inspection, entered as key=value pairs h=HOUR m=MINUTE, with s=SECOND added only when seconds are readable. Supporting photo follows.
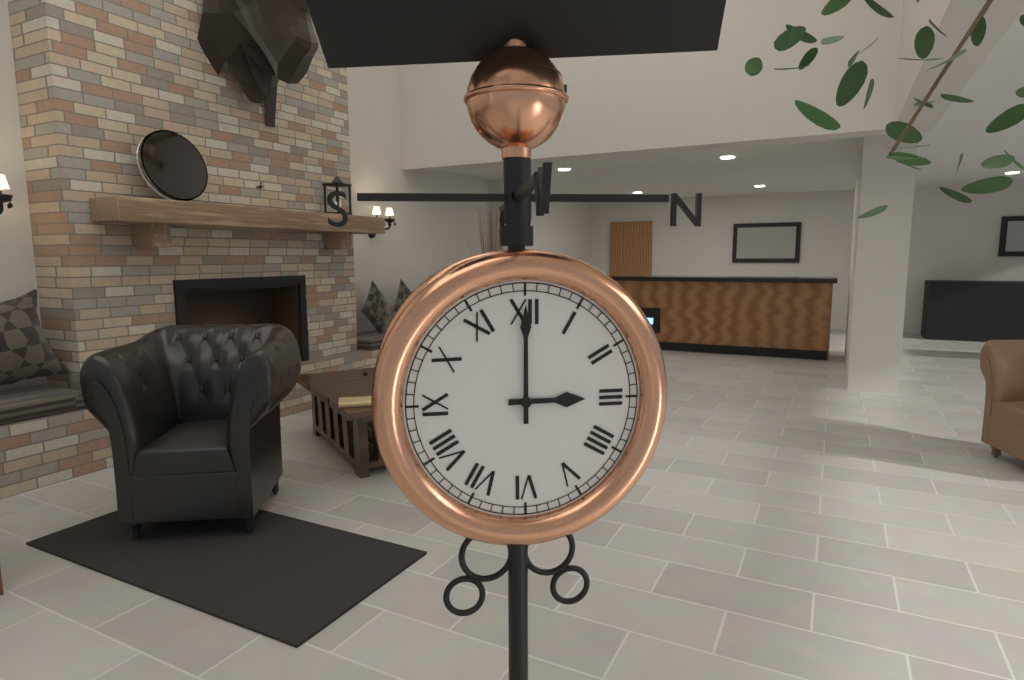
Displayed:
h=3 m=0
